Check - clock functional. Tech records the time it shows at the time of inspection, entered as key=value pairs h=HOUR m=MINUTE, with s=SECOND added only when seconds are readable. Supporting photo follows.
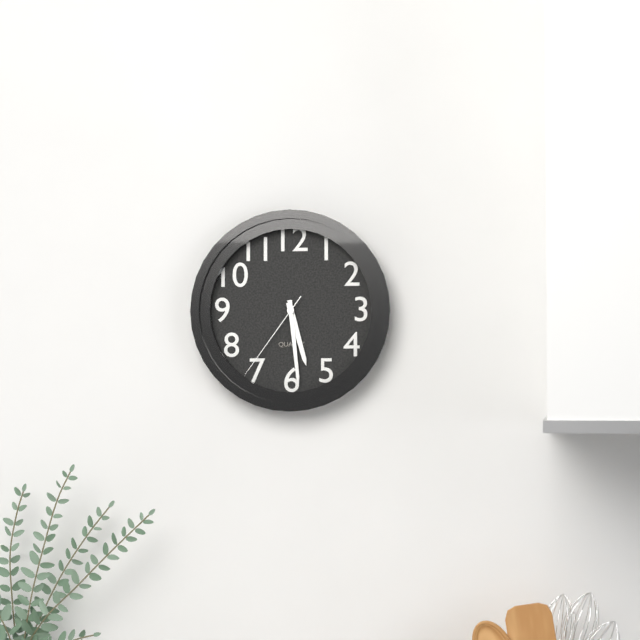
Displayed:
h=5 m=29 s=36
